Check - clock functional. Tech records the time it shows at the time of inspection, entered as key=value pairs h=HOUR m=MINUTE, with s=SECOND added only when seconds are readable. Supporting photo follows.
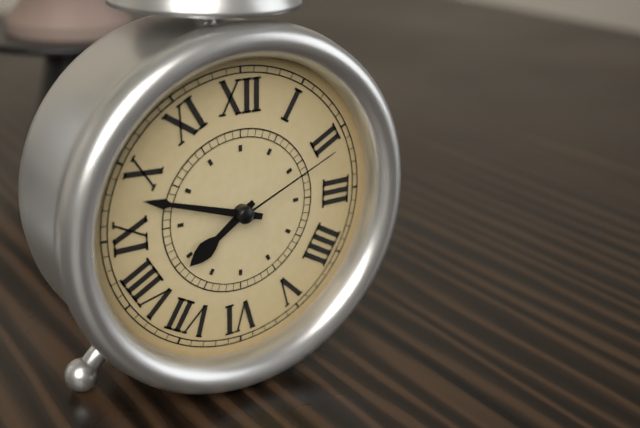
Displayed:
h=7 m=48 s=11
